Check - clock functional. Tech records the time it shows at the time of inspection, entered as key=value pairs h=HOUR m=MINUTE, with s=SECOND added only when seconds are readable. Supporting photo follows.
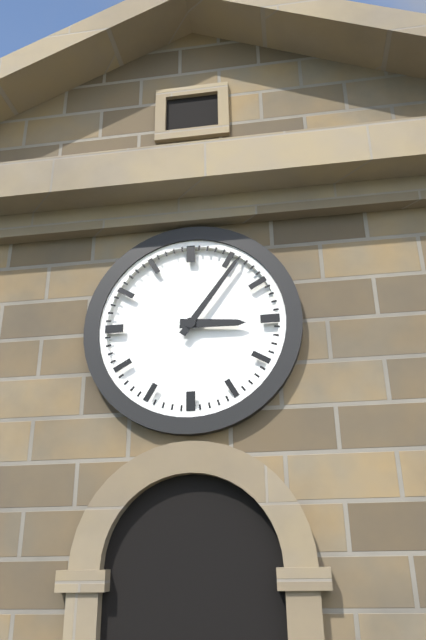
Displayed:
h=3 m=6
